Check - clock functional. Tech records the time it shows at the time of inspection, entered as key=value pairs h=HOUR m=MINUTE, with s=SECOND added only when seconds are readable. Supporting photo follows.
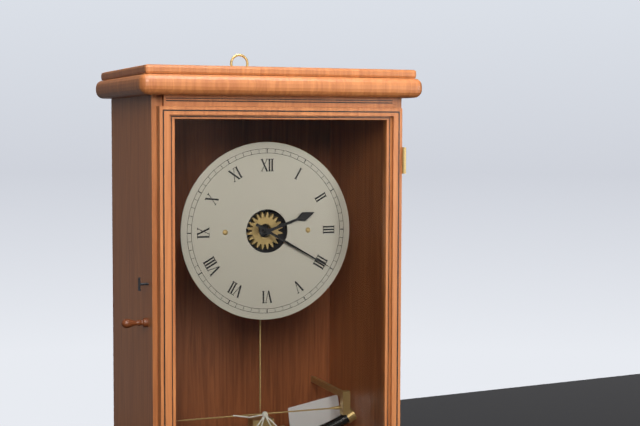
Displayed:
h=2 m=20
